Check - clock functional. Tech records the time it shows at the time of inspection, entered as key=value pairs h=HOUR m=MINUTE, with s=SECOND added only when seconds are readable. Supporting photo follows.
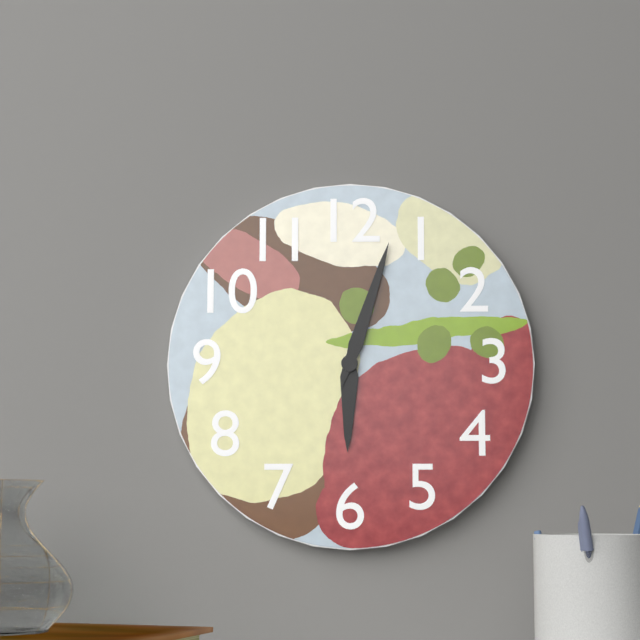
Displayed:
h=6 m=3
